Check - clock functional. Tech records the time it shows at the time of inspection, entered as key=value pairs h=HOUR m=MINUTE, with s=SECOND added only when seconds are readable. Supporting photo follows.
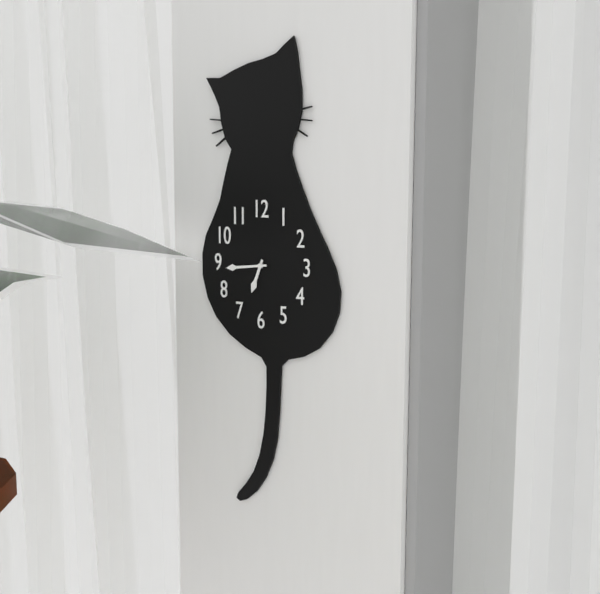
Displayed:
h=6 m=44
